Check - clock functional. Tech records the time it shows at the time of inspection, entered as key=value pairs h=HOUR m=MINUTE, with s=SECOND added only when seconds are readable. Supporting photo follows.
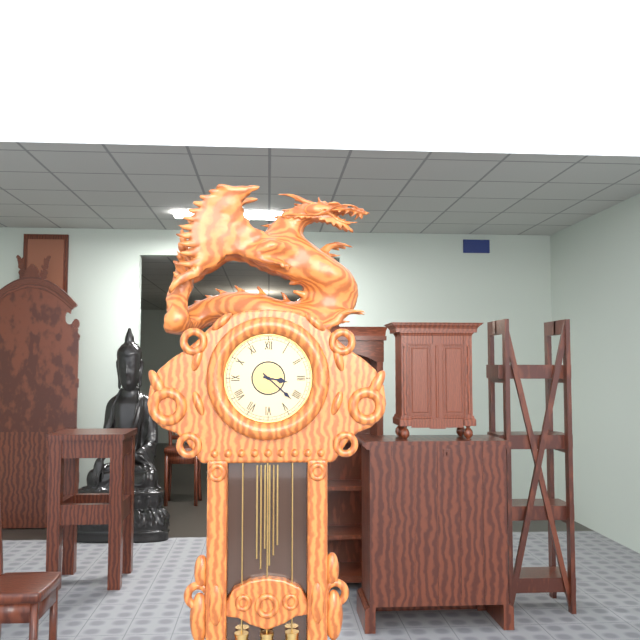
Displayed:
h=3 m=22
